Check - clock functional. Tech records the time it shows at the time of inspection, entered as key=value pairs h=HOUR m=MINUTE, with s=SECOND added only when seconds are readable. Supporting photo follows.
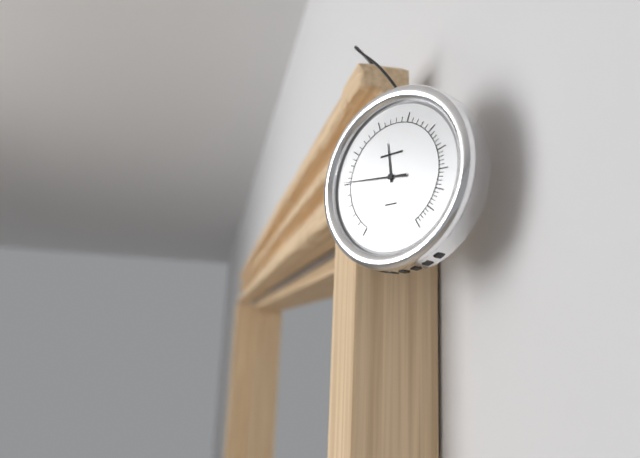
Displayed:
h=11 m=46
